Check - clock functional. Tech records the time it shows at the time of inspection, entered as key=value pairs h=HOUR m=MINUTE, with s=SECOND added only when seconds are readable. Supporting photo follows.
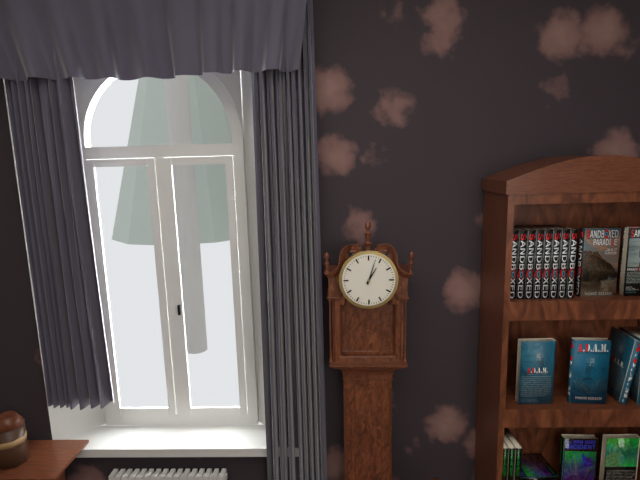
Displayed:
h=1 m=3
